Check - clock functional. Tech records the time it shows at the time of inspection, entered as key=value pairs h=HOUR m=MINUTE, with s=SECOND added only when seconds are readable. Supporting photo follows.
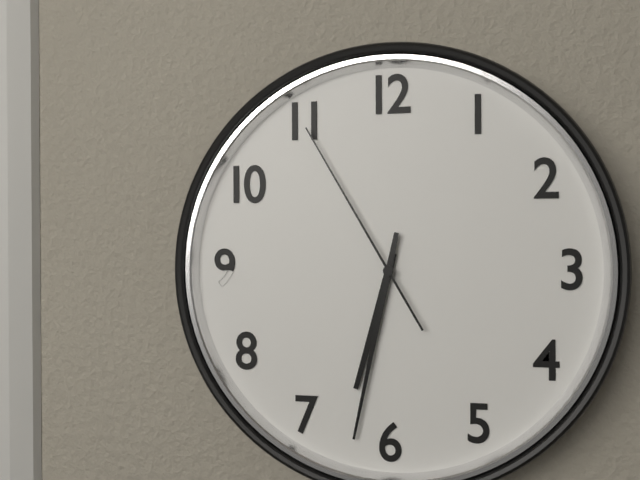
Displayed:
h=6 m=32 s=55
